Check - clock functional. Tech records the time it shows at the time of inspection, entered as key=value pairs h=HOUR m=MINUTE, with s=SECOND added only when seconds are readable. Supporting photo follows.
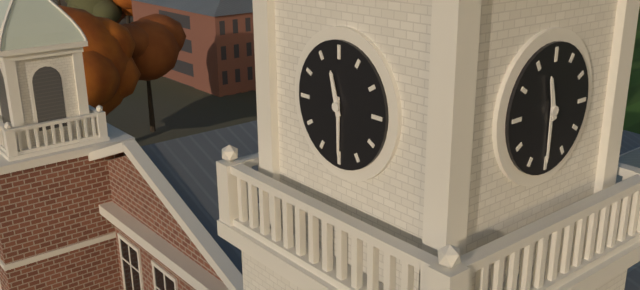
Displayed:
h=11 m=30
